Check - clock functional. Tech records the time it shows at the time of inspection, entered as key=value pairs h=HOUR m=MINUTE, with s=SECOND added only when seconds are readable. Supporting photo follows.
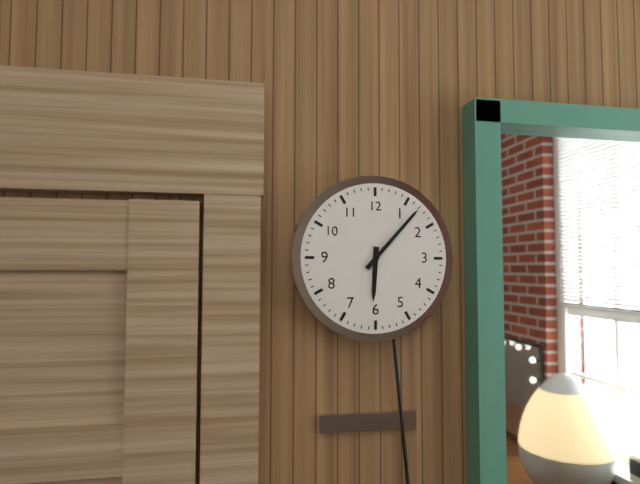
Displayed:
h=6 m=7
